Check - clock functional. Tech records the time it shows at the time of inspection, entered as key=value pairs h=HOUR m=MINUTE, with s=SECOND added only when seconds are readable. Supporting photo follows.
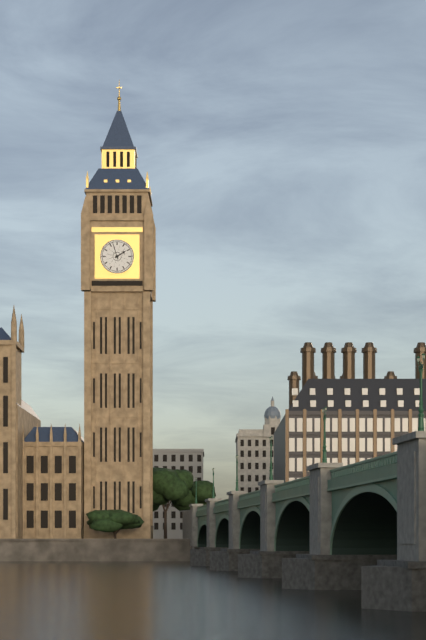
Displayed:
h=1 m=57
